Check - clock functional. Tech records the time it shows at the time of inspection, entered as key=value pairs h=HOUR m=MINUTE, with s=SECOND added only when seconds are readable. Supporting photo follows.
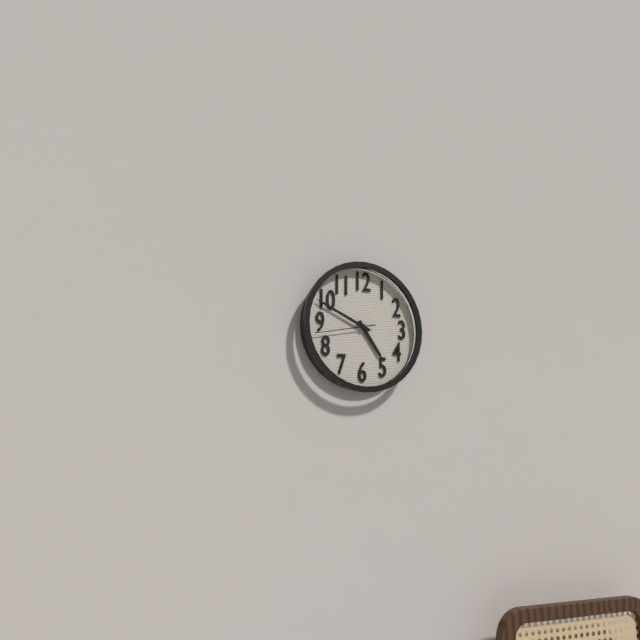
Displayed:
h=4 m=49 s=43
